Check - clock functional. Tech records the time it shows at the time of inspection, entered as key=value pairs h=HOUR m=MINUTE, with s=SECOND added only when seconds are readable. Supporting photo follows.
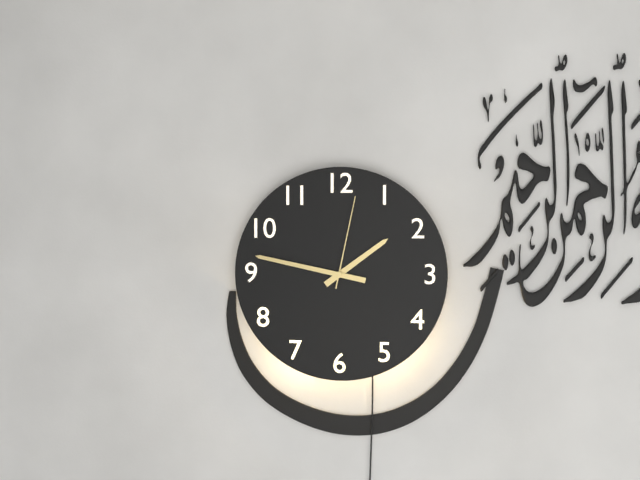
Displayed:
h=1 m=47 s=2
